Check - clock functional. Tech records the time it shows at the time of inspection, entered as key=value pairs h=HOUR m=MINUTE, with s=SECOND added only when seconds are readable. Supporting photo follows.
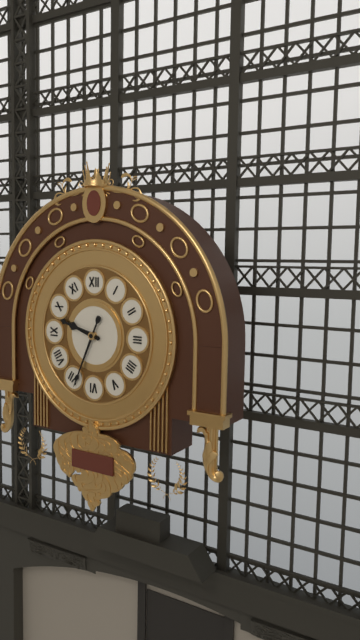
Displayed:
h=9 m=34
